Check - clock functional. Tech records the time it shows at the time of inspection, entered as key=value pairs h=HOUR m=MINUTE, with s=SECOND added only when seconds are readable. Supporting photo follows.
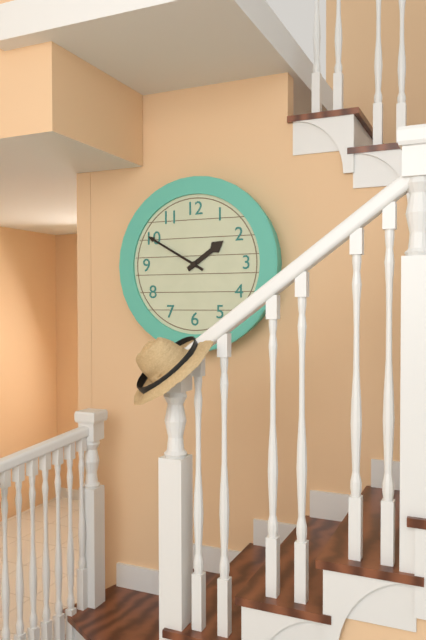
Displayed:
h=1 m=50
